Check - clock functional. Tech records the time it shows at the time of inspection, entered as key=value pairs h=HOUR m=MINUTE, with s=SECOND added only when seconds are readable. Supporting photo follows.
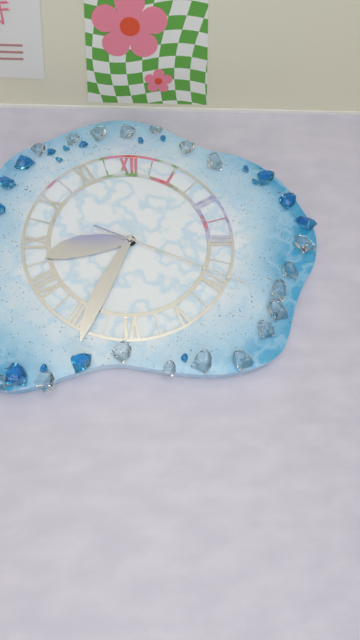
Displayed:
h=8 m=34 s=19
